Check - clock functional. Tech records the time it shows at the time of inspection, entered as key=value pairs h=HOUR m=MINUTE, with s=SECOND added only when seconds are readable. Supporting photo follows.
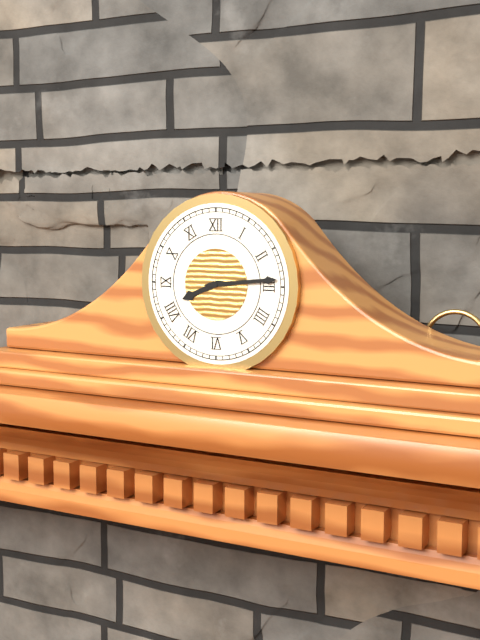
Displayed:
h=8 m=14
